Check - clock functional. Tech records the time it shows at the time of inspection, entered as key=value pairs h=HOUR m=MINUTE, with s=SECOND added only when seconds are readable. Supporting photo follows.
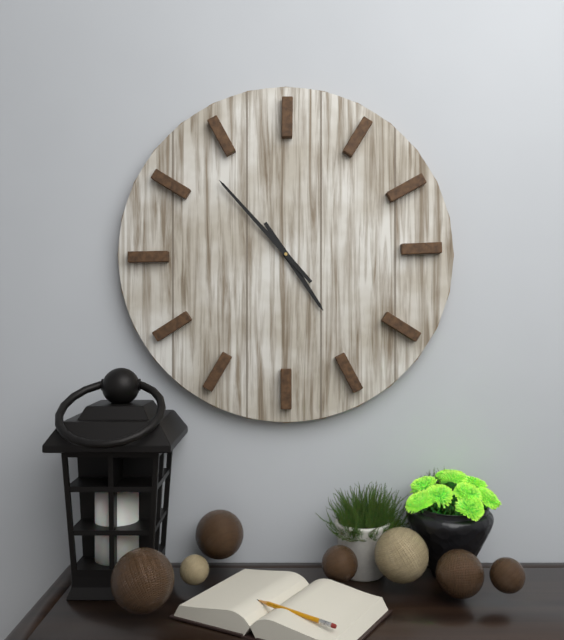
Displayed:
h=4 m=53
